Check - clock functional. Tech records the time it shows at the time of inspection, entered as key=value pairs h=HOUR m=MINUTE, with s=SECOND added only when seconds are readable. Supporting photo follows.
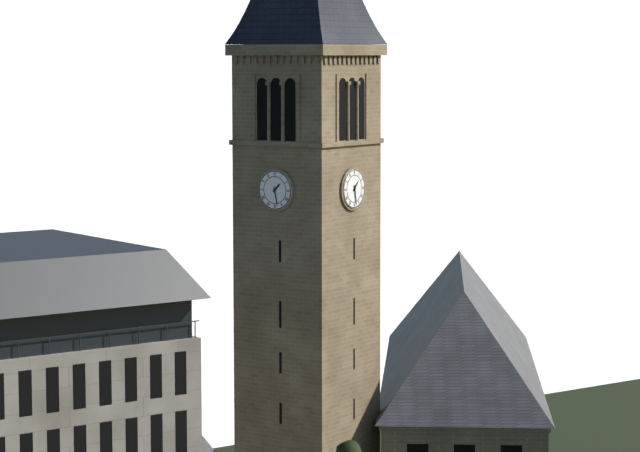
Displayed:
h=1 m=28
